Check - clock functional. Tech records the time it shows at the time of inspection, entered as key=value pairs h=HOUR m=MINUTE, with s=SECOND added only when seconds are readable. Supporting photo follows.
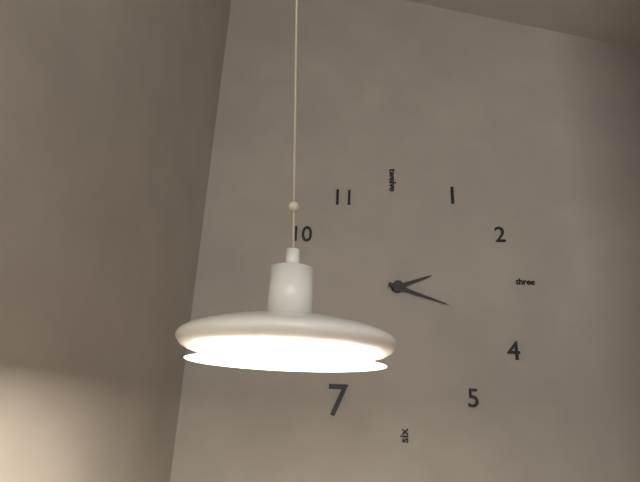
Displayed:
h=2 m=18
